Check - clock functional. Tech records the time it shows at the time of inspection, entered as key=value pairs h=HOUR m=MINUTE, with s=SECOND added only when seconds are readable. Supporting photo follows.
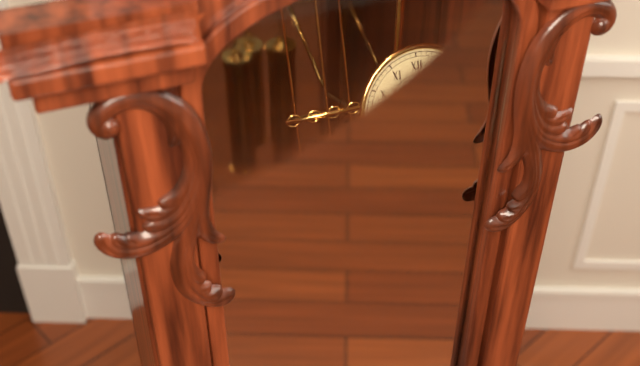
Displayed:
h=8 m=13
